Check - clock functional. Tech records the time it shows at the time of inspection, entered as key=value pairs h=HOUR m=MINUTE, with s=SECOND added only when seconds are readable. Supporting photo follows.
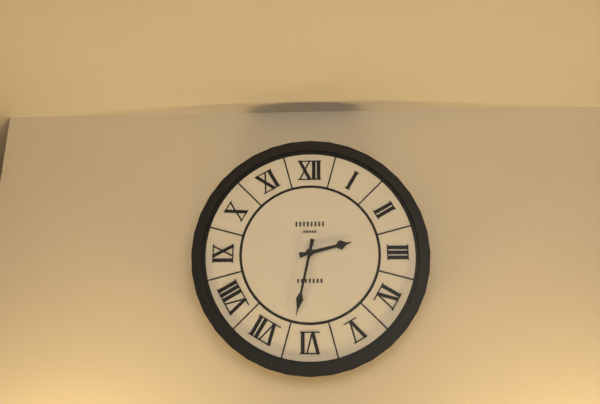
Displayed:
h=2 m=32
